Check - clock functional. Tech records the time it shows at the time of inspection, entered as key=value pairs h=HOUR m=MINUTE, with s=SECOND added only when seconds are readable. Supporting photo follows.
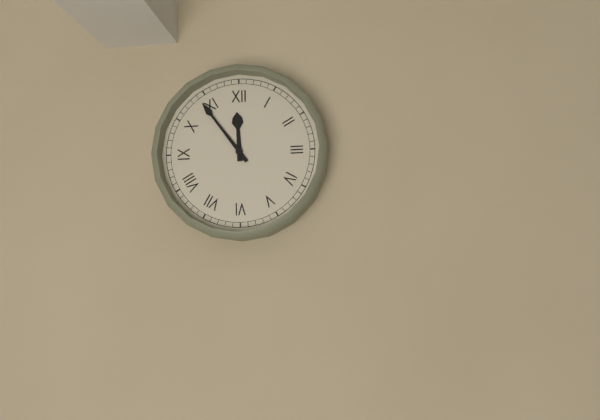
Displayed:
h=11 m=54
